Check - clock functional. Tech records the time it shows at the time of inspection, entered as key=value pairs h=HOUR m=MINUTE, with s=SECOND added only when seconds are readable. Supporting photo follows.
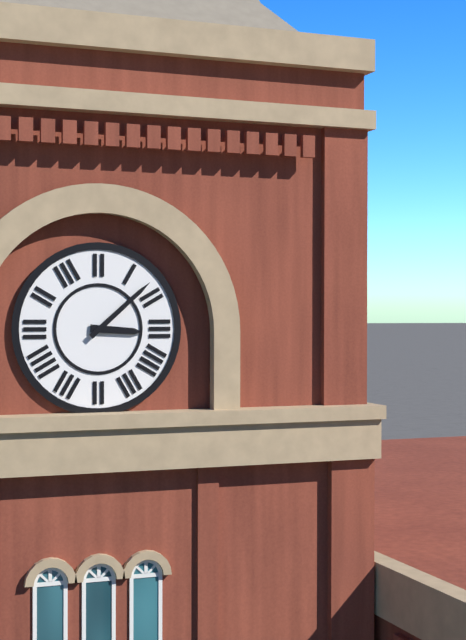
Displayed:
h=3 m=8
